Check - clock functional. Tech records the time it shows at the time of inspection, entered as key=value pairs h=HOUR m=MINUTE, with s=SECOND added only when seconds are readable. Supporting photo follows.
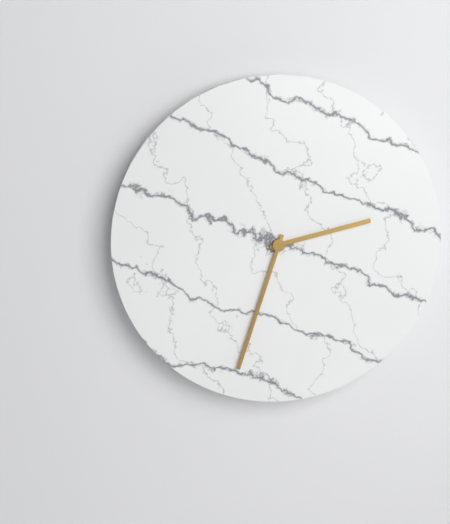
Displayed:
h=2 m=33
